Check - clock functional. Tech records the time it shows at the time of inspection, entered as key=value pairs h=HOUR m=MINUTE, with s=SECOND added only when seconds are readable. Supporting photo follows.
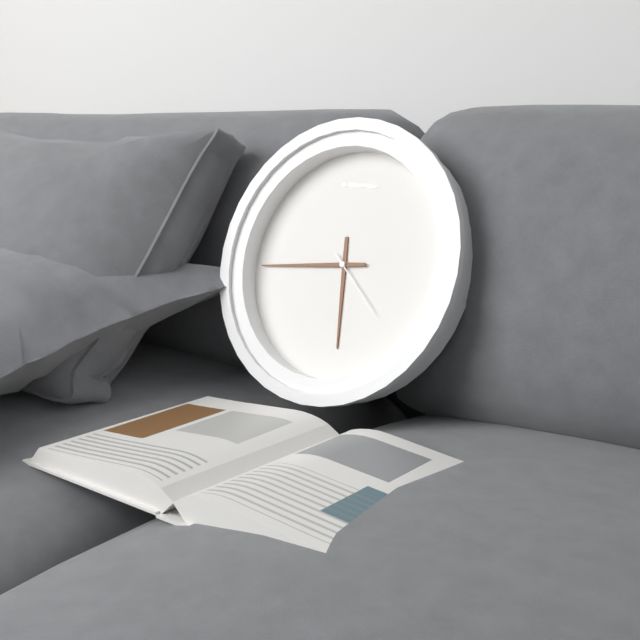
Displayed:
h=5 m=44 s=22
